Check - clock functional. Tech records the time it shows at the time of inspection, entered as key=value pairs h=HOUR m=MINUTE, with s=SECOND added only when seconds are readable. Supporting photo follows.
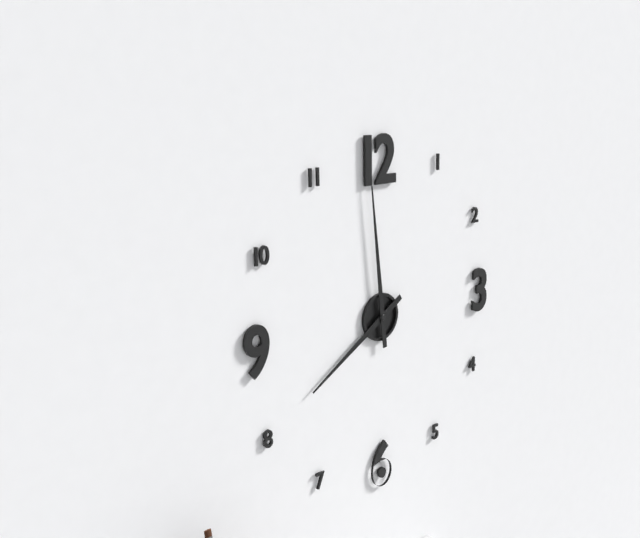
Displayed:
h=7 m=59
